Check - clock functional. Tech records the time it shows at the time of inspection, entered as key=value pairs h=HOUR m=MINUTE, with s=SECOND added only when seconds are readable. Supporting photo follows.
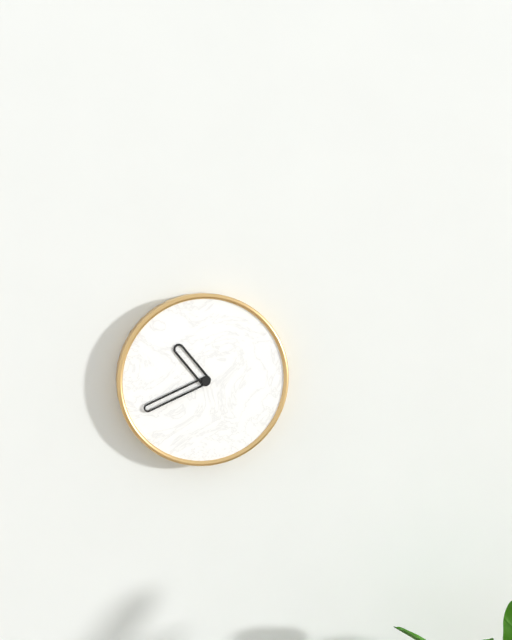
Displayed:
h=10 m=41
